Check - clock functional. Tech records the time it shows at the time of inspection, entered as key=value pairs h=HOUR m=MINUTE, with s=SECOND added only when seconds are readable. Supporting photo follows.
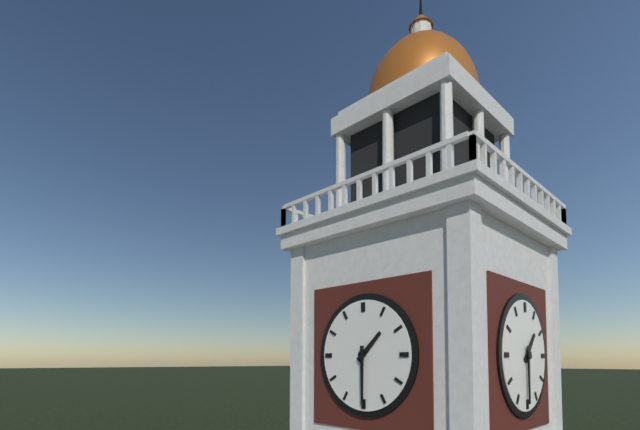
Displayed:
h=1 m=30
